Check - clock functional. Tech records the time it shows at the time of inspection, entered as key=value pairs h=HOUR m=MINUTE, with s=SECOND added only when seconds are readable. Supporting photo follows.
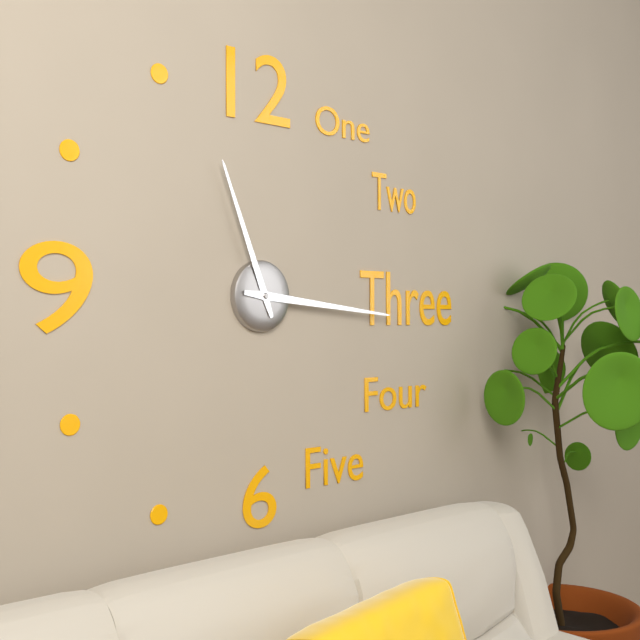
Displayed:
h=11 m=16
